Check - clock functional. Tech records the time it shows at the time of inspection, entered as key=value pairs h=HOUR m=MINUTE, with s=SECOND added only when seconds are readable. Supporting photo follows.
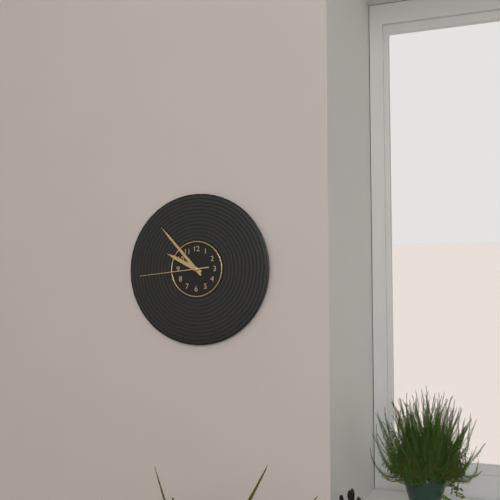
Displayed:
h=9 m=53 s=44
